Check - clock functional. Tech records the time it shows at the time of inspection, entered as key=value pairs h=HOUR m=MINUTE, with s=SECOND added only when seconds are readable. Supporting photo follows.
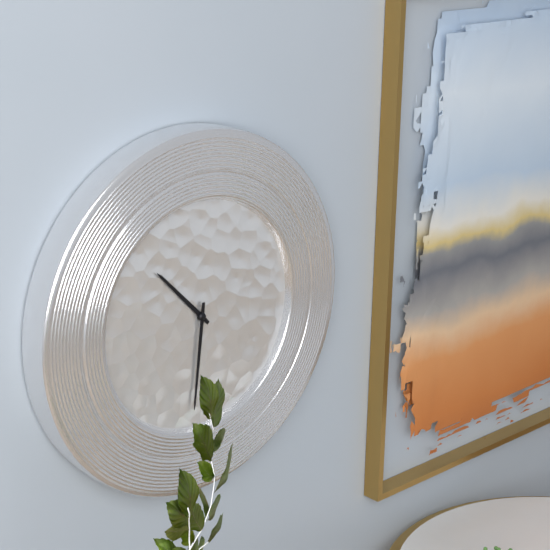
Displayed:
h=10 m=31
